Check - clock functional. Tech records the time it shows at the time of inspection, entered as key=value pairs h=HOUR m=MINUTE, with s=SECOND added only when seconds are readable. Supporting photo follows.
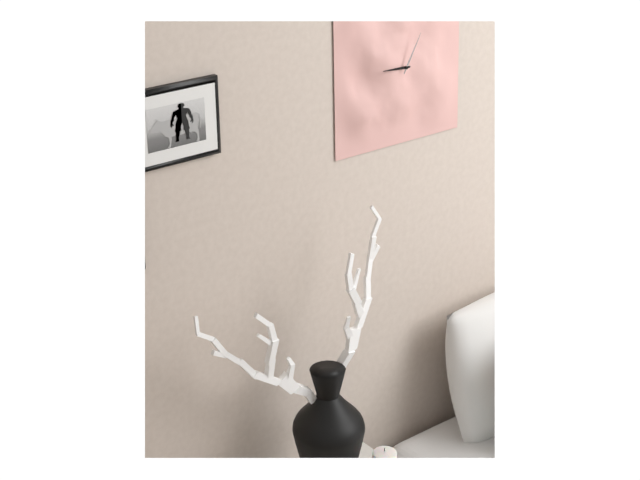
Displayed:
h=9 m=5
